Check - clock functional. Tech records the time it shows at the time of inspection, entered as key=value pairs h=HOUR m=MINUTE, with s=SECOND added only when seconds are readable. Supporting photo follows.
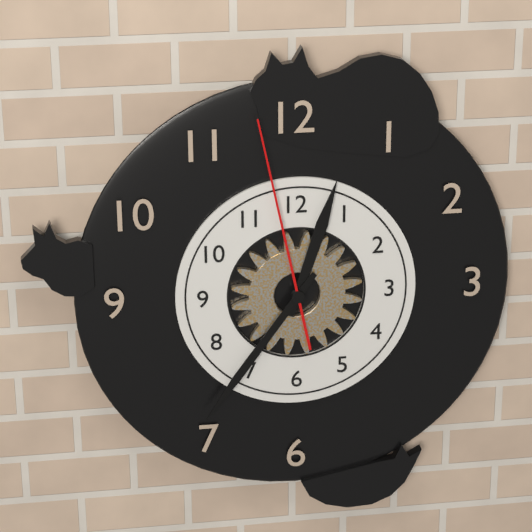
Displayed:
h=12 m=36 s=58
